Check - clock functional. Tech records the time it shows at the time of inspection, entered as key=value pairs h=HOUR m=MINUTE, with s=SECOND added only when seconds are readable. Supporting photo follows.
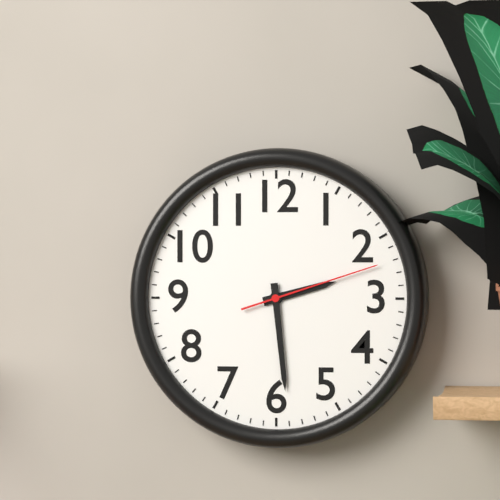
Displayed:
h=2 m=29 s=12
